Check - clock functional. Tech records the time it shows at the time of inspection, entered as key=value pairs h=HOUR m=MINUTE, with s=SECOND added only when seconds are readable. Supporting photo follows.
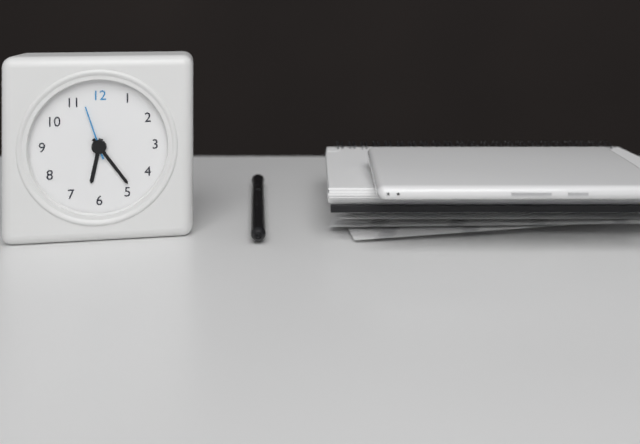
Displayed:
h=6 m=24 s=57
